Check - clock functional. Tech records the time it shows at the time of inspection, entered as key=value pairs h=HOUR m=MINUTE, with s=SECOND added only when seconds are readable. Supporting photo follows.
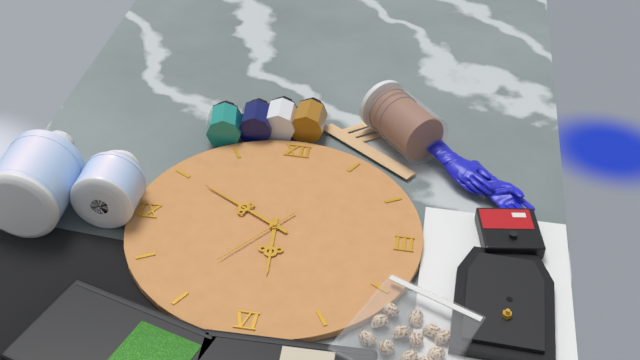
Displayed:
h=5 m=50 s=36
